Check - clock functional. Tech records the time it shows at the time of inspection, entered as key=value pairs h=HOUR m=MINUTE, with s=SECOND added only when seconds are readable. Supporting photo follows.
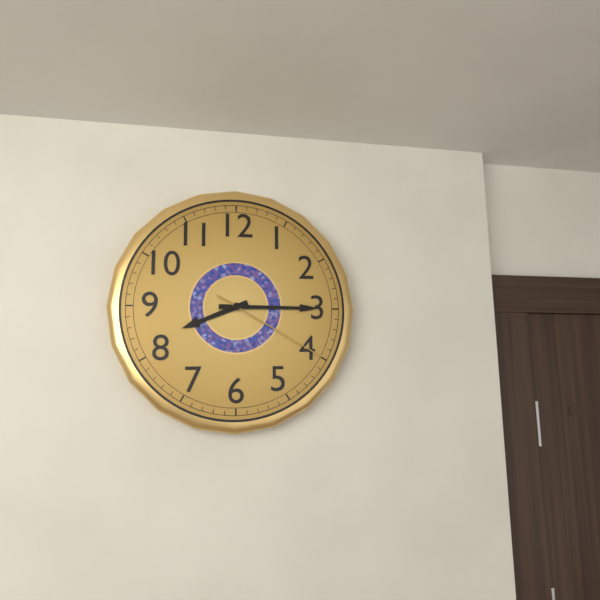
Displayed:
h=8 m=15 s=20
